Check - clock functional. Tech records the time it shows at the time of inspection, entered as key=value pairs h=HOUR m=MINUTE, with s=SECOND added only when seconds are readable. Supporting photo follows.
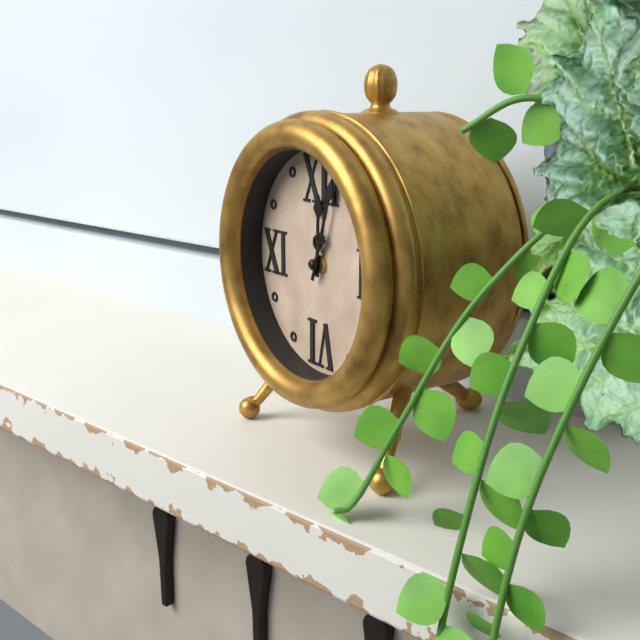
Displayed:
h=12 m=3
